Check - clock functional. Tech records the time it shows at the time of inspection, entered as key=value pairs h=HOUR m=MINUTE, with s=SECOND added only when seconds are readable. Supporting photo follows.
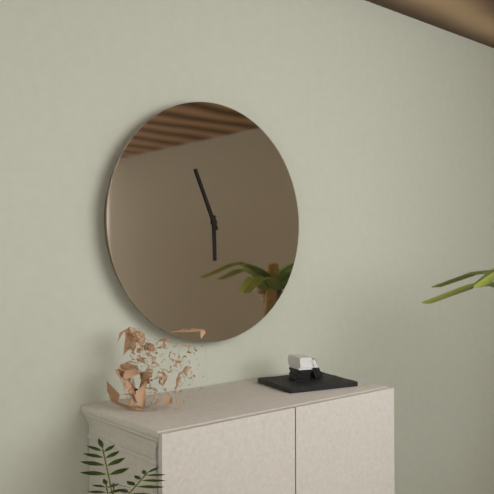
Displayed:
h=5 m=56
